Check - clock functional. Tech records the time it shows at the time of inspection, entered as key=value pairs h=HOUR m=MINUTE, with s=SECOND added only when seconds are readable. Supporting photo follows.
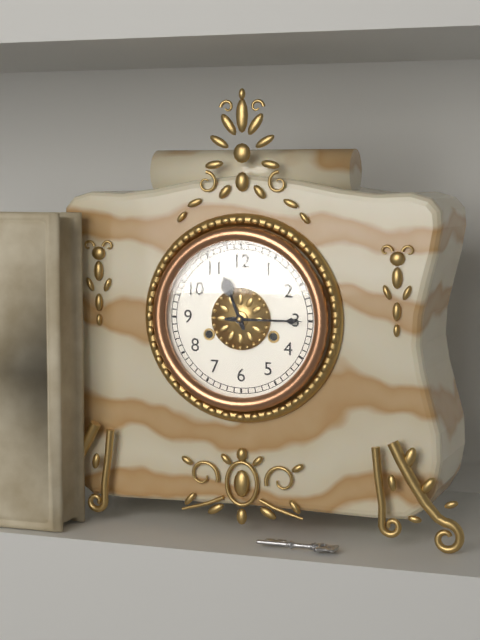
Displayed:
h=11 m=15
